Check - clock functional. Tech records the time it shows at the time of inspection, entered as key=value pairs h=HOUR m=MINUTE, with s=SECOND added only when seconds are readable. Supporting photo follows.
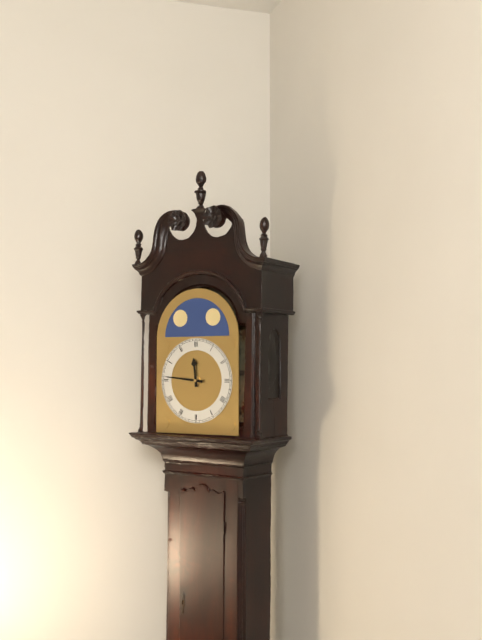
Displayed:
h=11 m=46
